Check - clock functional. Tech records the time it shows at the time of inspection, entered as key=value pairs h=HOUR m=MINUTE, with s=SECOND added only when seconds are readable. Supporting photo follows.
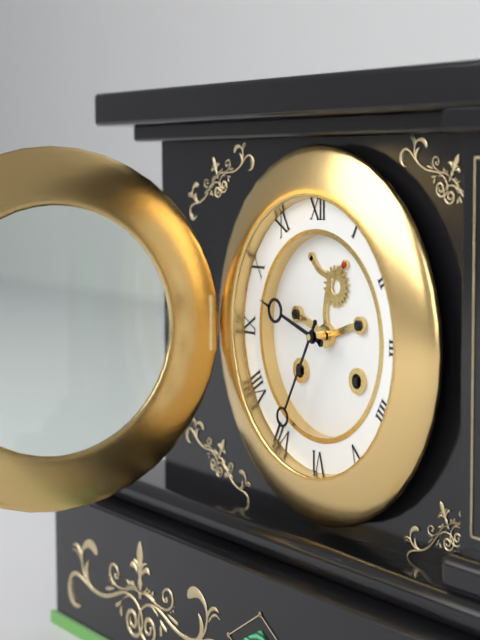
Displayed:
h=9 m=35
